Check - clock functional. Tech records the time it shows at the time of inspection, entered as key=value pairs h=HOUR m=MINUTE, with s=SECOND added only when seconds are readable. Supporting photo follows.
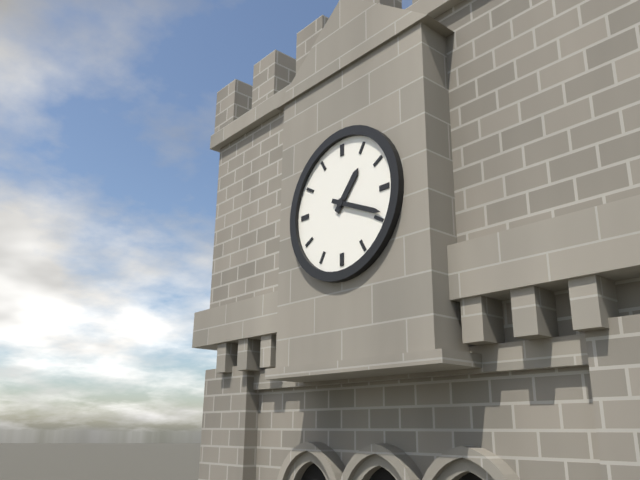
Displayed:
h=1 m=19
